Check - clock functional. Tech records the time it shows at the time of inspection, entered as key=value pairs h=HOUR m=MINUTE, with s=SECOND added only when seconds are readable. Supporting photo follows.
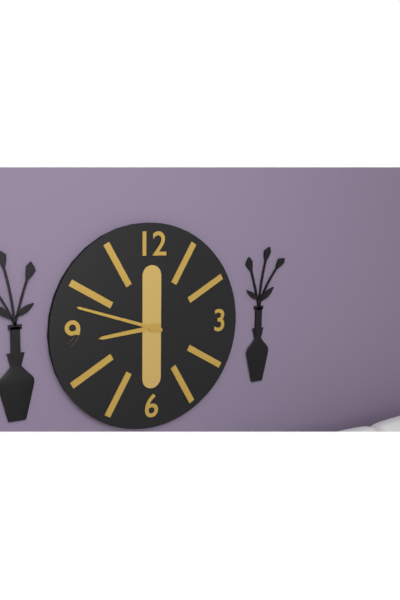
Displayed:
h=8 m=48
